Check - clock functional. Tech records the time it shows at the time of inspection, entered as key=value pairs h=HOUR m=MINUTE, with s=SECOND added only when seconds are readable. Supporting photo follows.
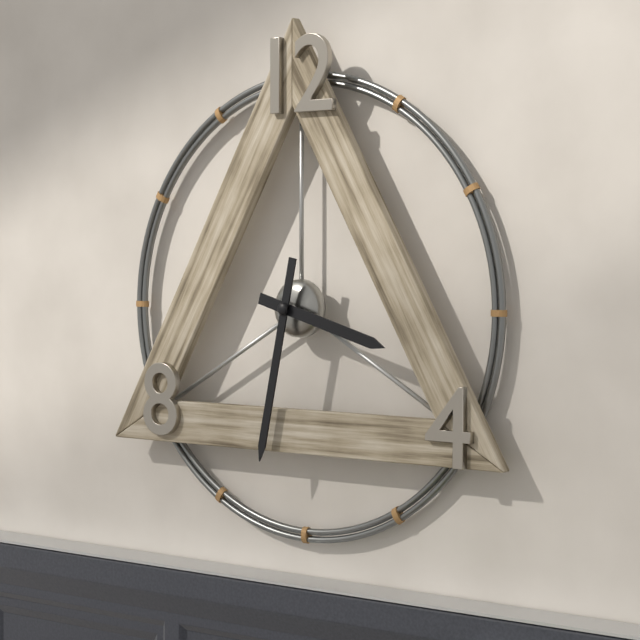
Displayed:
h=3 m=32
